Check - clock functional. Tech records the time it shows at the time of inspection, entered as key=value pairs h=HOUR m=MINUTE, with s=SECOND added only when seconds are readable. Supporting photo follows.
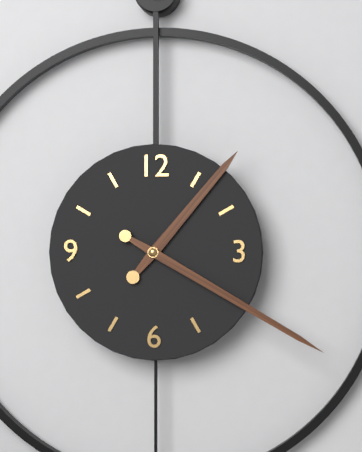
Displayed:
h=1 m=20
